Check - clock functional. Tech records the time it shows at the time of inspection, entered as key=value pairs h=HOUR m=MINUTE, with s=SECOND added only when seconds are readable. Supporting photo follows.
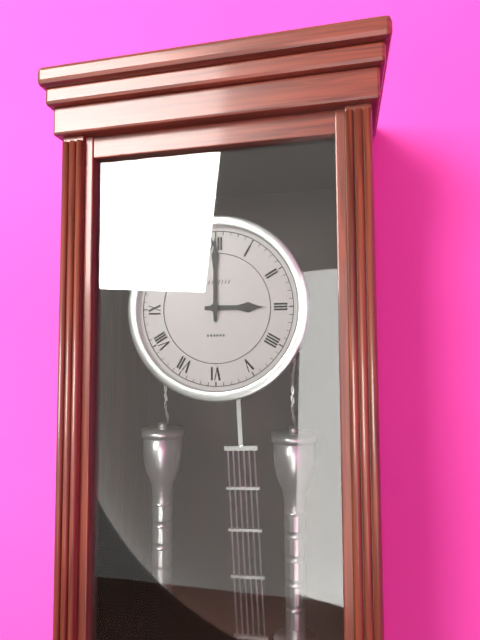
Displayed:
h=3 m=0
